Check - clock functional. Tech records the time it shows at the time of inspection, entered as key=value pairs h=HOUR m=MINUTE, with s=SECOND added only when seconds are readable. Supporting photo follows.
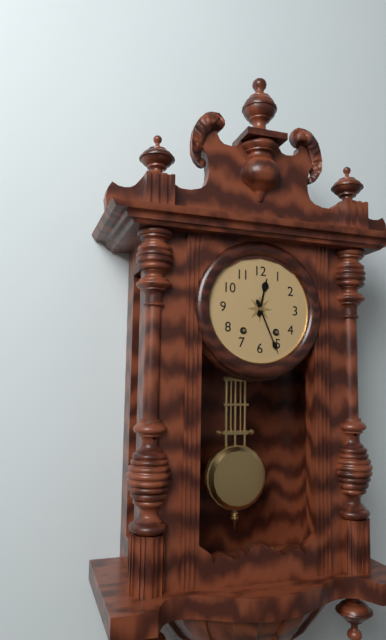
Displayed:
h=12 m=26
